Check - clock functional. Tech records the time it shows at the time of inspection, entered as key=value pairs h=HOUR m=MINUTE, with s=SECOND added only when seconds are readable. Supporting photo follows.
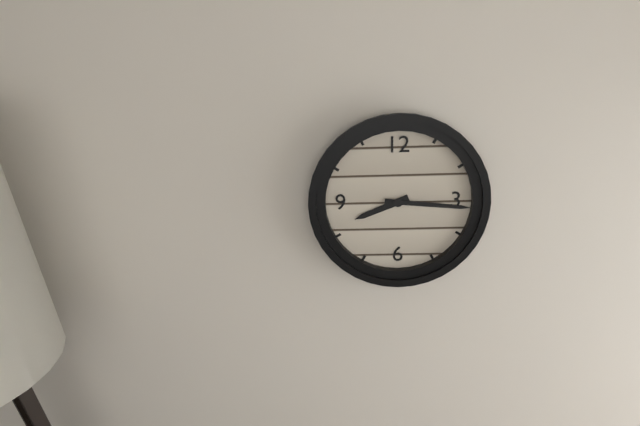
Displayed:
h=8 m=16
